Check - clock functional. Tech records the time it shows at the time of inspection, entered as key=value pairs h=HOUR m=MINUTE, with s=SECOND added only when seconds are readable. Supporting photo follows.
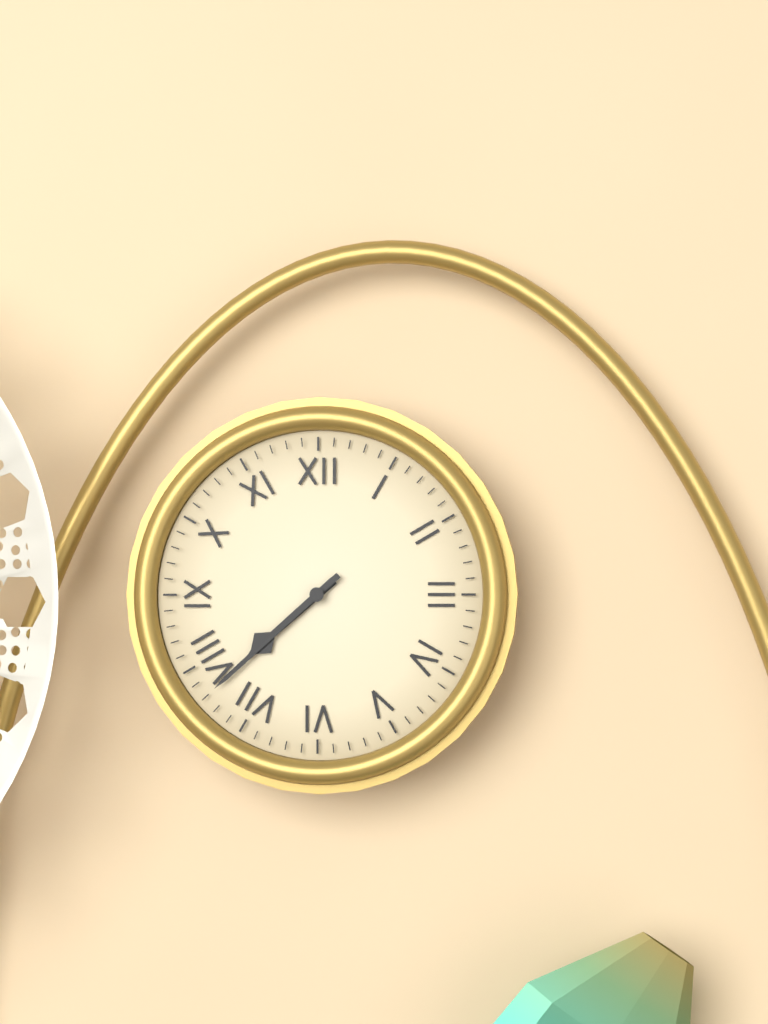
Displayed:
h=7 m=38
